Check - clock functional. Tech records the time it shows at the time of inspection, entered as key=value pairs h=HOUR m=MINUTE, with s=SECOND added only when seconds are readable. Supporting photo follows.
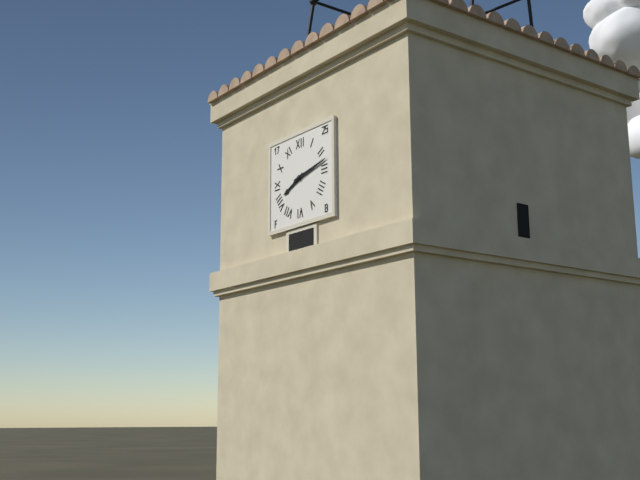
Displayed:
h=8 m=13
